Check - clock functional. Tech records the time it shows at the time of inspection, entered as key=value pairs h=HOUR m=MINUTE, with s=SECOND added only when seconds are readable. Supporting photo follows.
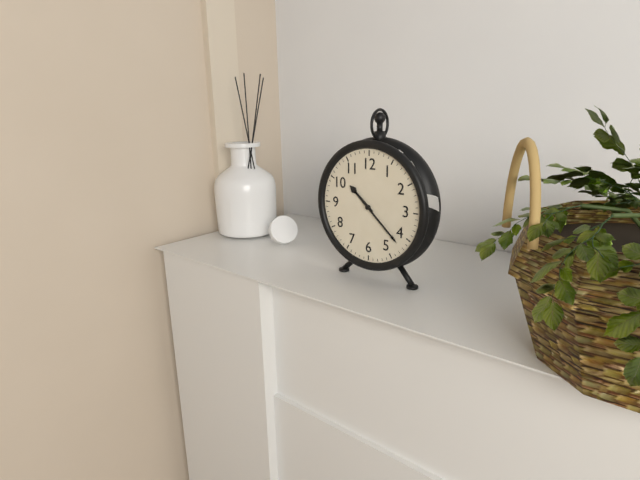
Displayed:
h=10 m=22
